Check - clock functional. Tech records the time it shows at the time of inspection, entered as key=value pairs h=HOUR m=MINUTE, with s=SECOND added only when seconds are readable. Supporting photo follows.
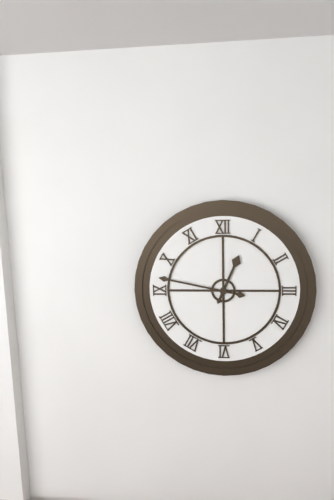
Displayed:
h=12 m=47
